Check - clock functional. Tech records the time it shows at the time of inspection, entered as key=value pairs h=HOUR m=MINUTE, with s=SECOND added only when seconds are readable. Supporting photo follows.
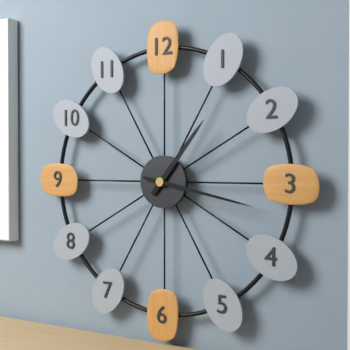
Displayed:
h=1 m=17
